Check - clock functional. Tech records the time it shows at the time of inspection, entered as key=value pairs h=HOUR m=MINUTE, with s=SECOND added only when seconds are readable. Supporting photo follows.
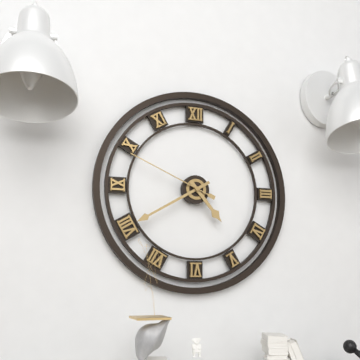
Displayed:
h=4 m=40 s=49
